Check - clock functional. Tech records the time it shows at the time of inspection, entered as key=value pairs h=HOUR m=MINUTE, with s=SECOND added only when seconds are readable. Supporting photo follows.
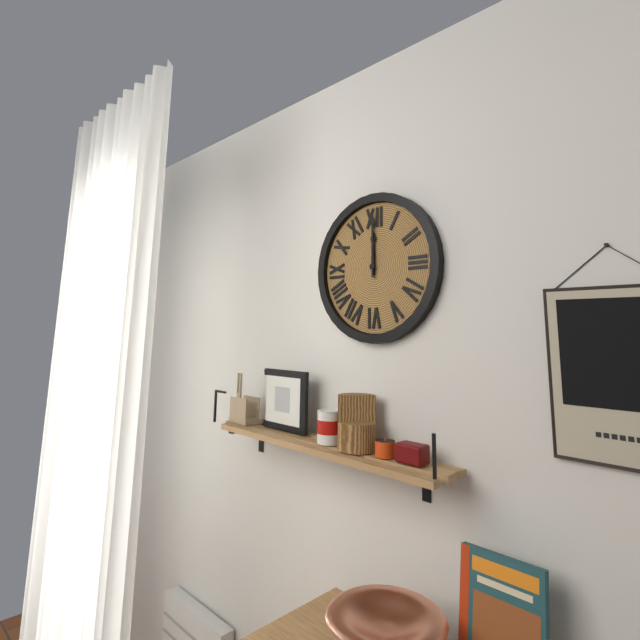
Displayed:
h=12 m=0
